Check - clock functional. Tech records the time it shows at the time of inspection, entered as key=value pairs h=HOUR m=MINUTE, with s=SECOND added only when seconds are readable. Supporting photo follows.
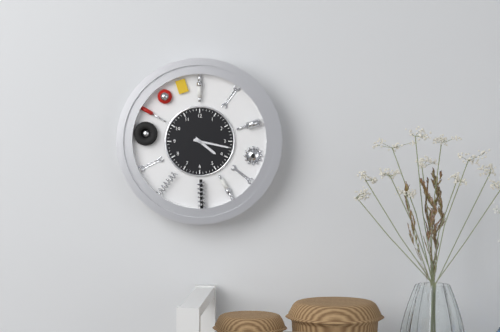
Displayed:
h=4 m=17
